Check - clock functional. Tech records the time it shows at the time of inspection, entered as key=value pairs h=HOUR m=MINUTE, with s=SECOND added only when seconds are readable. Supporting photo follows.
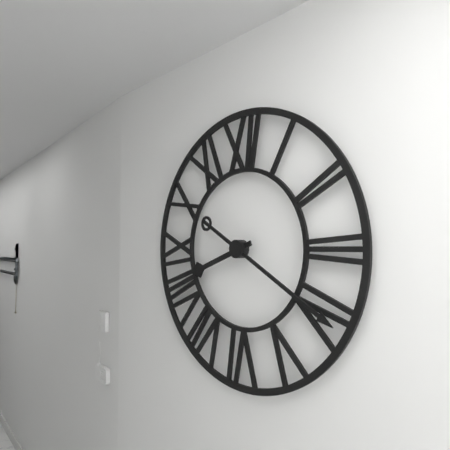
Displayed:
h=8 m=20
